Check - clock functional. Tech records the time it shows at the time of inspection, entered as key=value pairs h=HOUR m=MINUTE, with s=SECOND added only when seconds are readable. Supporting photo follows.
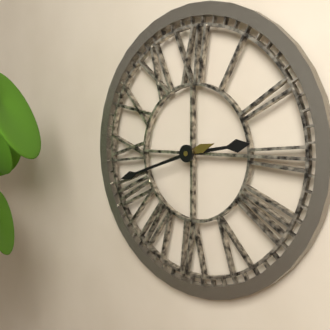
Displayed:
h=2 m=42
